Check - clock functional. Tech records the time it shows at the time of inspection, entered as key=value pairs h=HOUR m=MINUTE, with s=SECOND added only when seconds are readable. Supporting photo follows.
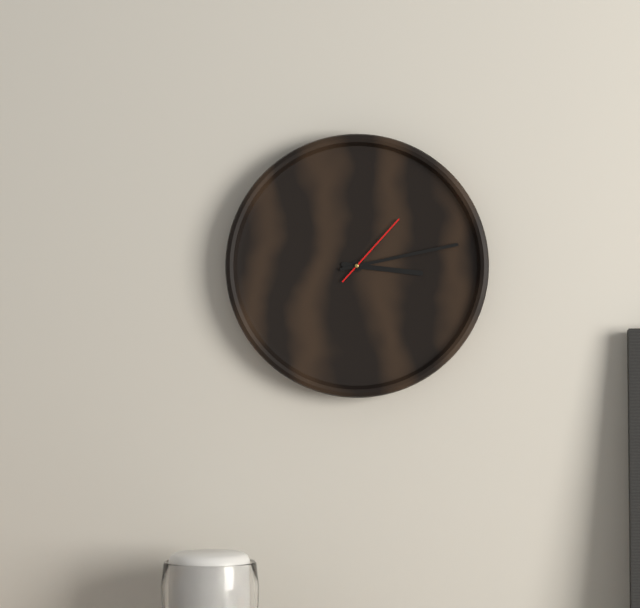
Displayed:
h=3 m=13 s=7
